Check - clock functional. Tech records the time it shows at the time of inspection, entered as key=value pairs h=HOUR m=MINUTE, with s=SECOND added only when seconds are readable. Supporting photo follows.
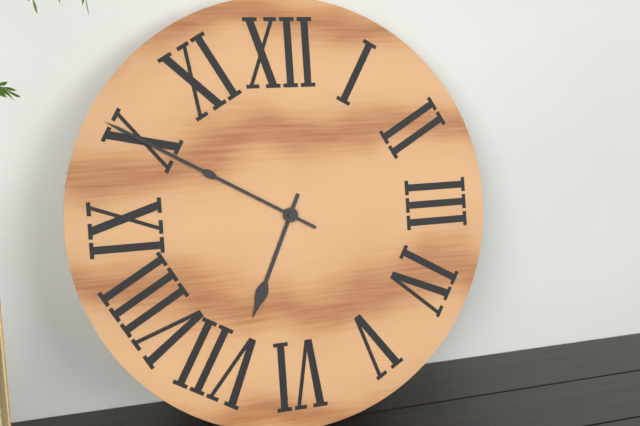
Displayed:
h=6 m=50
